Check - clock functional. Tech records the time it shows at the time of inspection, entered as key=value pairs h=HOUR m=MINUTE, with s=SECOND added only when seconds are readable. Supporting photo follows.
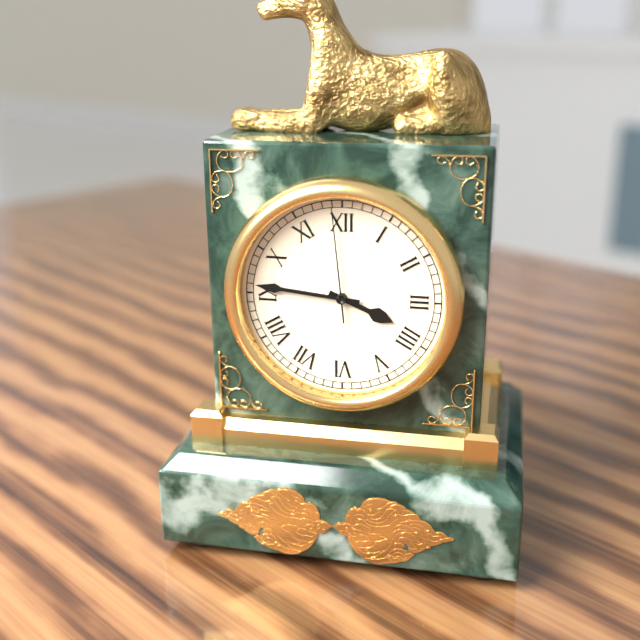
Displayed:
h=3 m=46 s=59
